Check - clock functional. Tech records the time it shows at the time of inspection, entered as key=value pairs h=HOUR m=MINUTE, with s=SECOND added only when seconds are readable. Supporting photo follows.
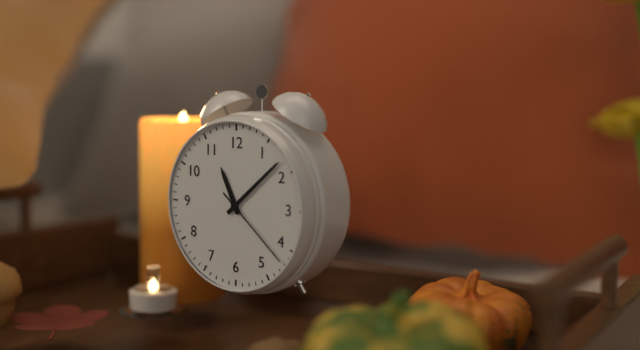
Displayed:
h=11 m=8 s=22
